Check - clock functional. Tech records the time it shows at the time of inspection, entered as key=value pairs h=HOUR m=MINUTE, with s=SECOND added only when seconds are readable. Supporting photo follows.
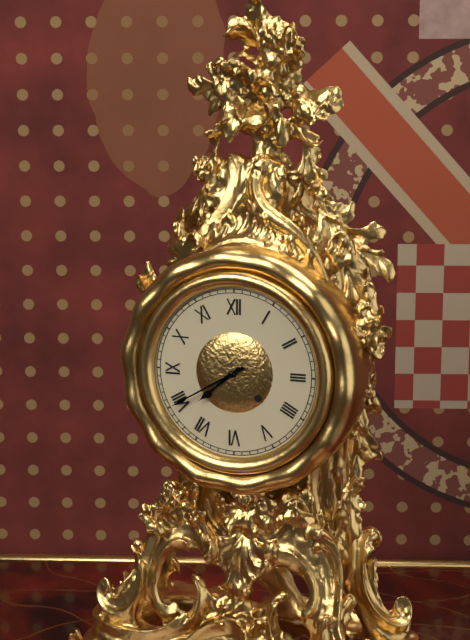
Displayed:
h=7 m=40
